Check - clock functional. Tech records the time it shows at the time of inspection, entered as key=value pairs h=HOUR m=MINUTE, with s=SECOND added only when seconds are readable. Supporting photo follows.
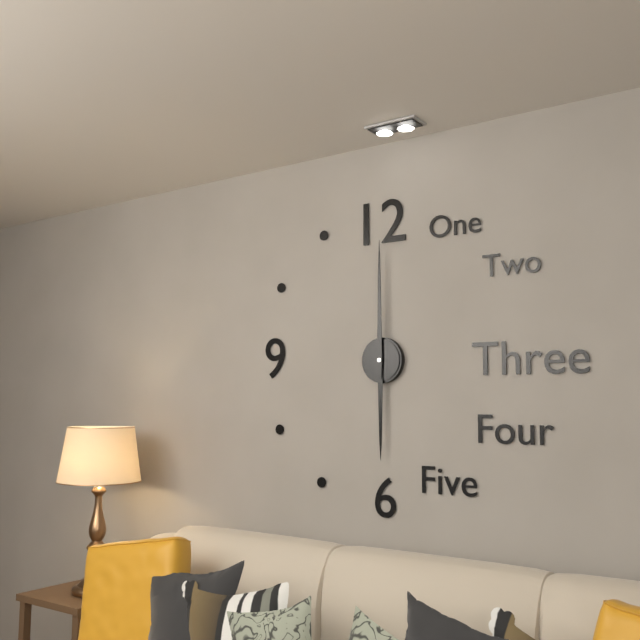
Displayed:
h=6 m=0
